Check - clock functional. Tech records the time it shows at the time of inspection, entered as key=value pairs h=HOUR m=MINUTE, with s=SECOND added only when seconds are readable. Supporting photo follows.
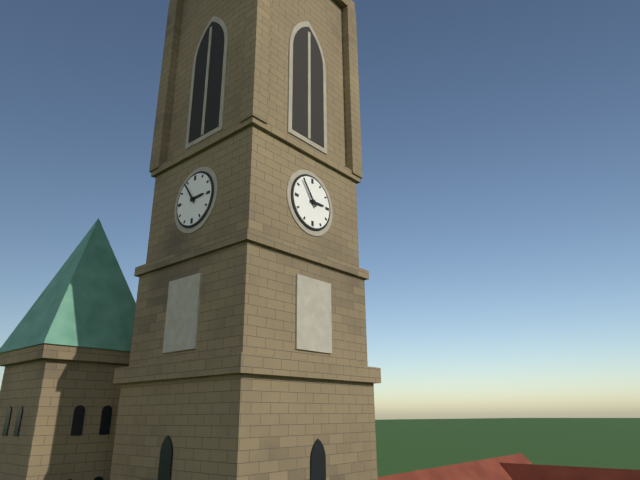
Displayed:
h=2 m=54
